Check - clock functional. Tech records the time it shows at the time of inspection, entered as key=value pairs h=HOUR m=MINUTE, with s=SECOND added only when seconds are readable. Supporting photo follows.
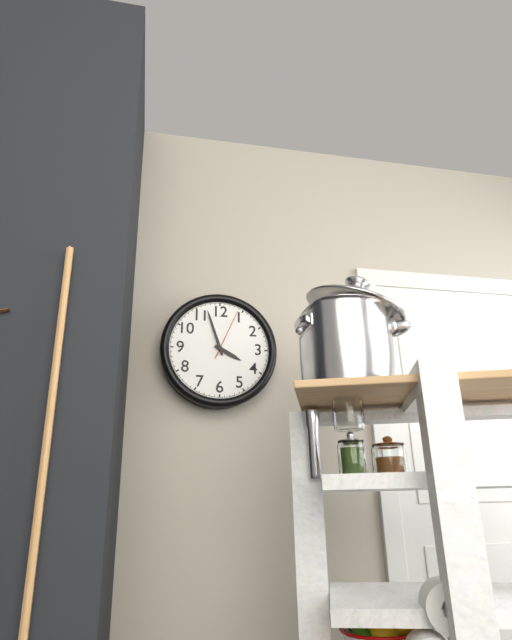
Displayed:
h=3 m=57 s=4
